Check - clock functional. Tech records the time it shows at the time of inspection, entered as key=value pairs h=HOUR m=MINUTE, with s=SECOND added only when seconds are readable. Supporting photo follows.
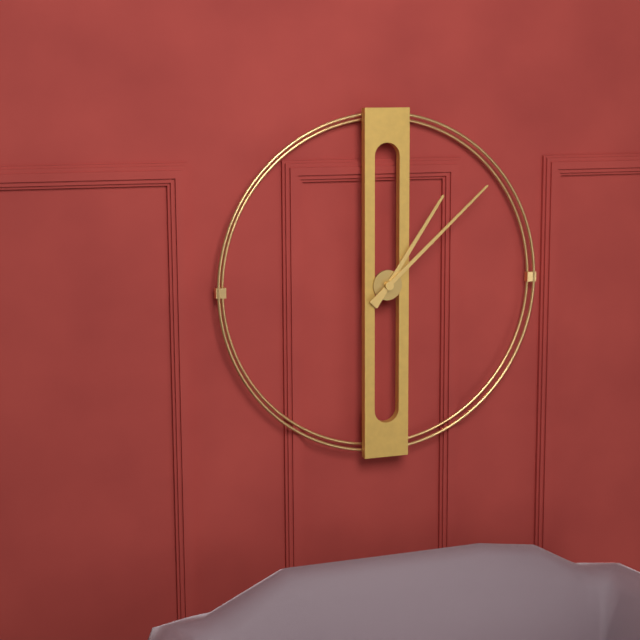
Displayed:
h=1 m=8
